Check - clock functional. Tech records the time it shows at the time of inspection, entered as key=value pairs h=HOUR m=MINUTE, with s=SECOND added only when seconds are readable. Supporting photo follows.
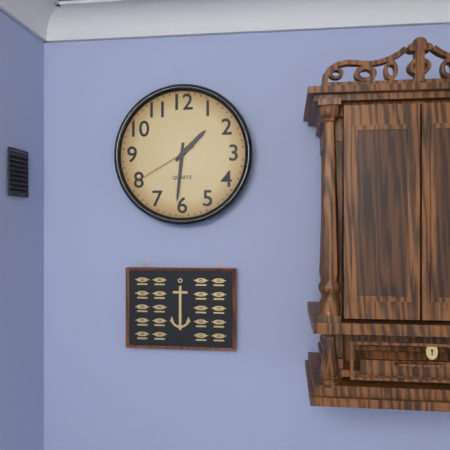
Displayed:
h=1 m=31 s=40
